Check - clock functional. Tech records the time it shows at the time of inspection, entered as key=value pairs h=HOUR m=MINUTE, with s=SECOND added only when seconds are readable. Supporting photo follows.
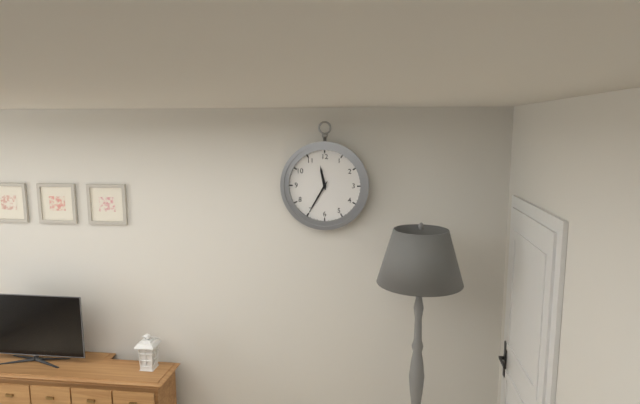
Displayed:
h=11 m=35
